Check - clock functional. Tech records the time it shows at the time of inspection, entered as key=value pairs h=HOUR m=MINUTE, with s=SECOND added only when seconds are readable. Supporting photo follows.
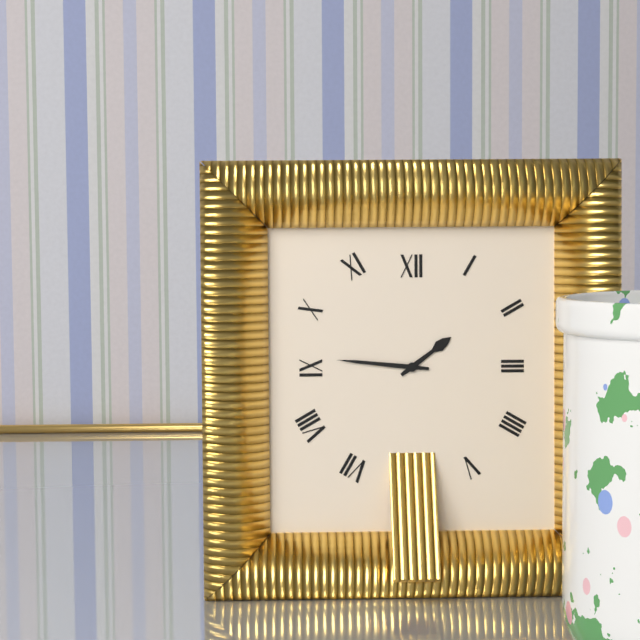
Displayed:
h=1 m=46
